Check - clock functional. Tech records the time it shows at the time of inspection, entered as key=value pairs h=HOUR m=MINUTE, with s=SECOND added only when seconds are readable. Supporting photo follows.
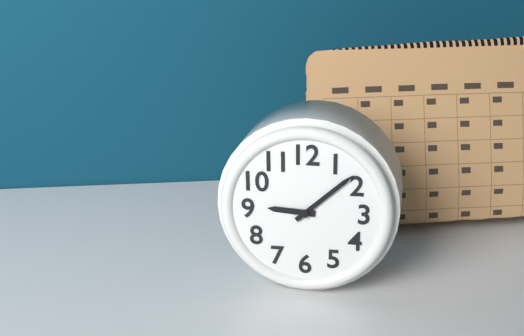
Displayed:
h=9 m=8
